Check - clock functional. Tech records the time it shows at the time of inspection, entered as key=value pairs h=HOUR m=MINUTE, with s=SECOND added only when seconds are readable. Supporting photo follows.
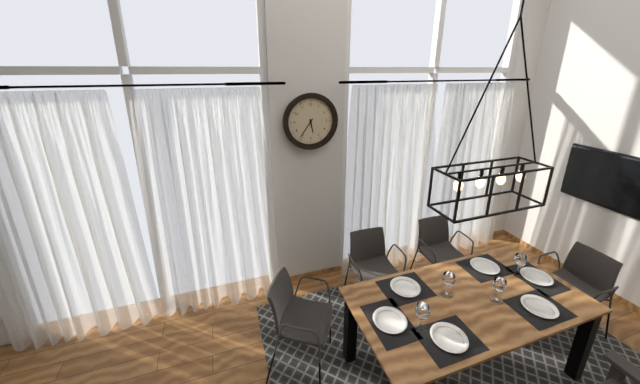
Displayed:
h=5 m=36
